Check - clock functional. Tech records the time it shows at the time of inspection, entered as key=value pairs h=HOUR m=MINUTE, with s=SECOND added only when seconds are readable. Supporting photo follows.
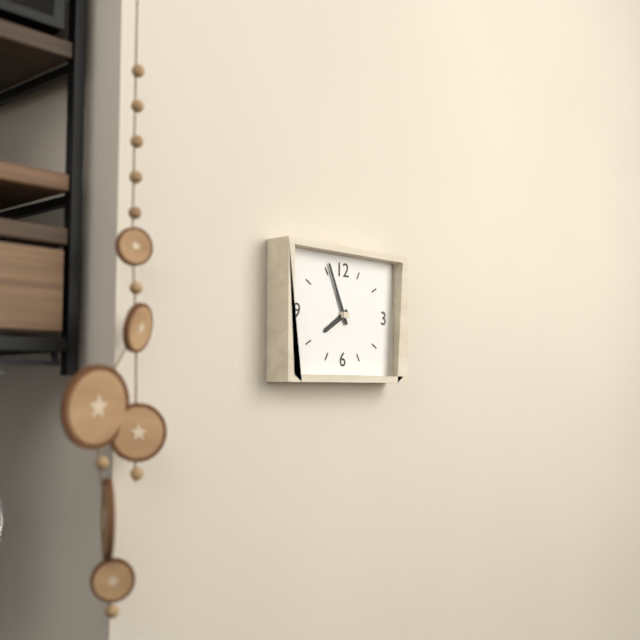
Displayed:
h=7 m=56
